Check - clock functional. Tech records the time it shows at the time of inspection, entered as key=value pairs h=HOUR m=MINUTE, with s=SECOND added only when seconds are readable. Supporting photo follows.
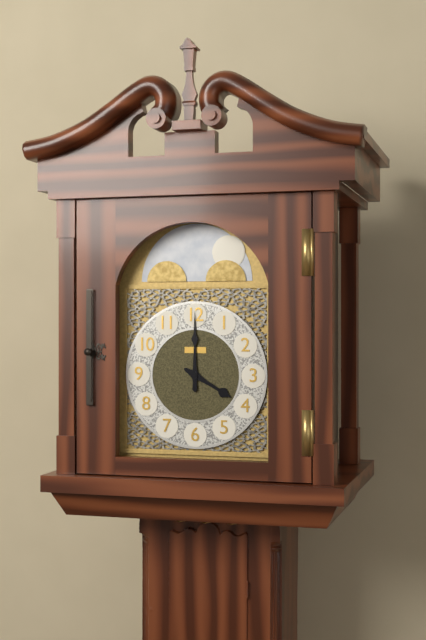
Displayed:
h=4 m=0
